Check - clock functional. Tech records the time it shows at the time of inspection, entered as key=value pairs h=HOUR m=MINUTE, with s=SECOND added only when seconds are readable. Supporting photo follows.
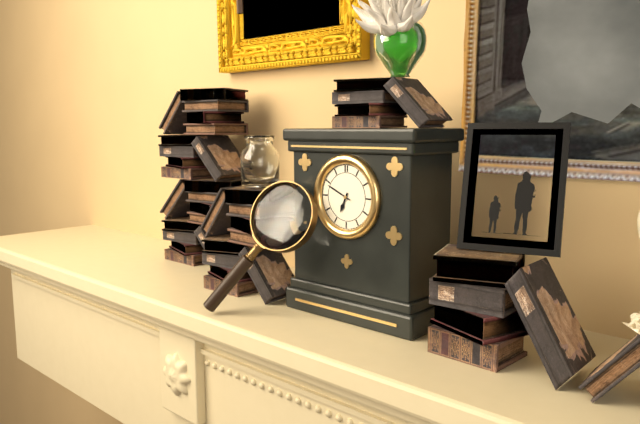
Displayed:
h=6 m=49
